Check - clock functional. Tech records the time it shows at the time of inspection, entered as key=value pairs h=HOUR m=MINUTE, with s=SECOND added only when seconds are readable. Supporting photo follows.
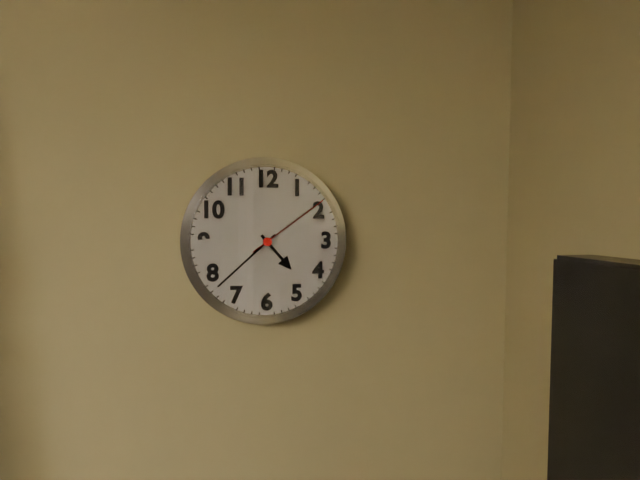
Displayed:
h=4 m=38 s=9
